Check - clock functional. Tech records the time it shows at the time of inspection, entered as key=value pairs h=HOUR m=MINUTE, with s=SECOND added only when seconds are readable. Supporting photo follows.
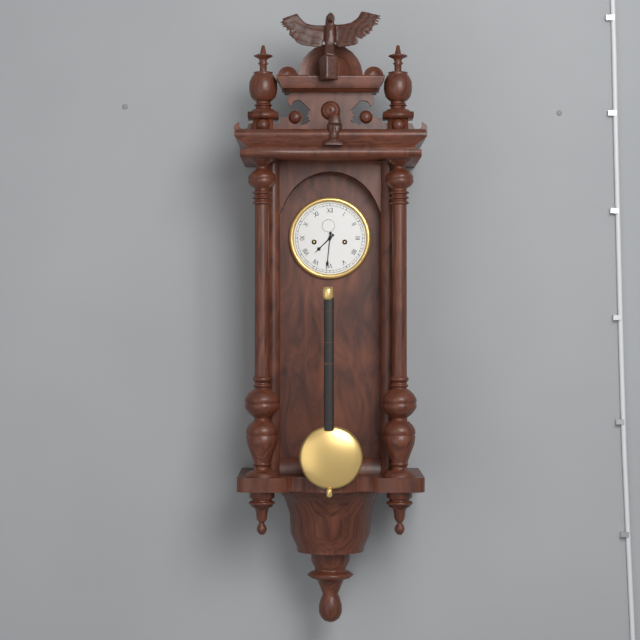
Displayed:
h=7 m=31
